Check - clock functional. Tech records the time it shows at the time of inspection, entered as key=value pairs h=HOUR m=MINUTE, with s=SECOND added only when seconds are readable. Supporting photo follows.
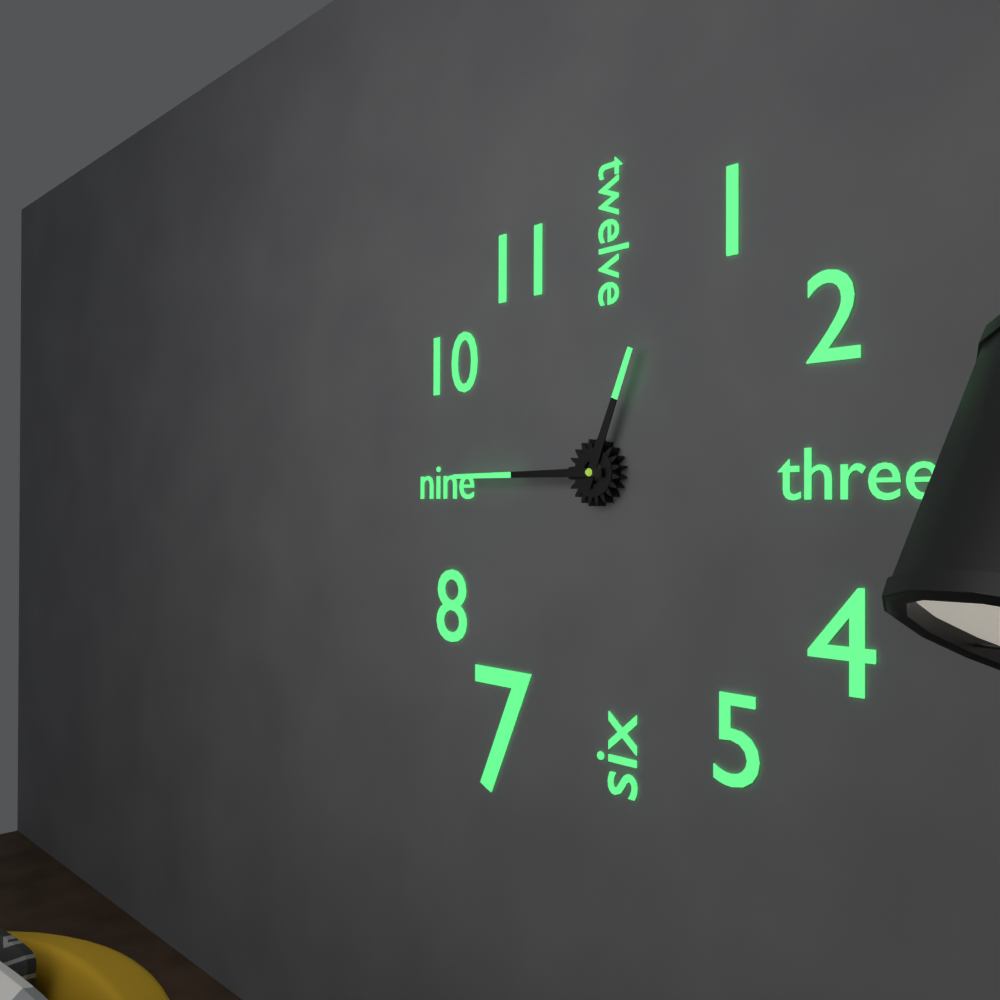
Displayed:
h=12 m=45
